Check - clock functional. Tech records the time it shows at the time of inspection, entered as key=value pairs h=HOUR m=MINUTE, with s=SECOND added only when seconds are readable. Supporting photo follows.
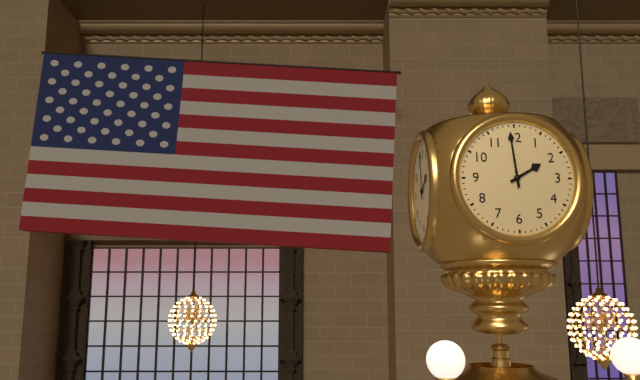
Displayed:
h=1 m=59
